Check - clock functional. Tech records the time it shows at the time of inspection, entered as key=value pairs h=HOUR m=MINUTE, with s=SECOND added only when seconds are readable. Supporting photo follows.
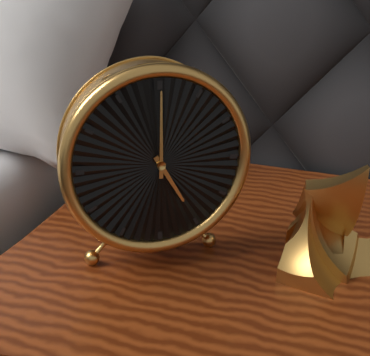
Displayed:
h=5 m=0
